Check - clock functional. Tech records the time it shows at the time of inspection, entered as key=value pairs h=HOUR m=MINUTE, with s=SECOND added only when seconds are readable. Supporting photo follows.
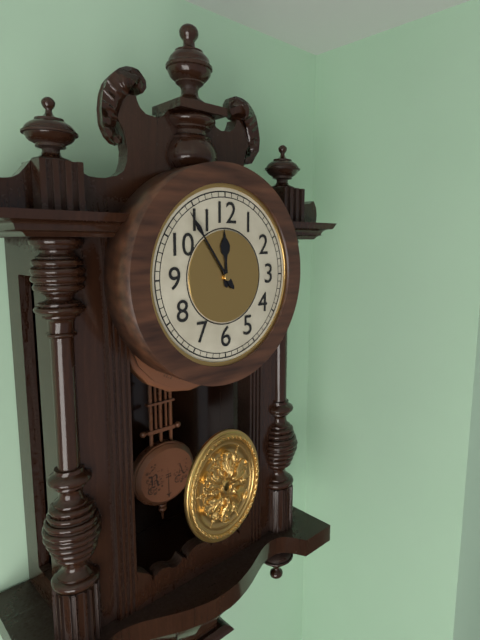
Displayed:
h=11 m=54
